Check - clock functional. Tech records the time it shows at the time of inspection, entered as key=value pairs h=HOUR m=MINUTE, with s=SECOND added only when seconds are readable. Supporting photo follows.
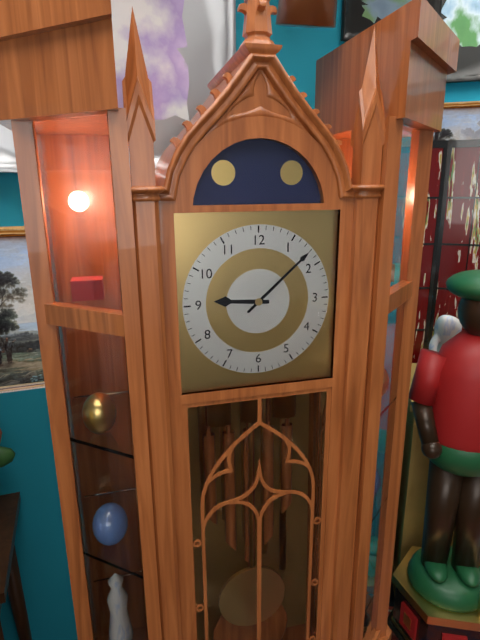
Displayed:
h=9 m=8
